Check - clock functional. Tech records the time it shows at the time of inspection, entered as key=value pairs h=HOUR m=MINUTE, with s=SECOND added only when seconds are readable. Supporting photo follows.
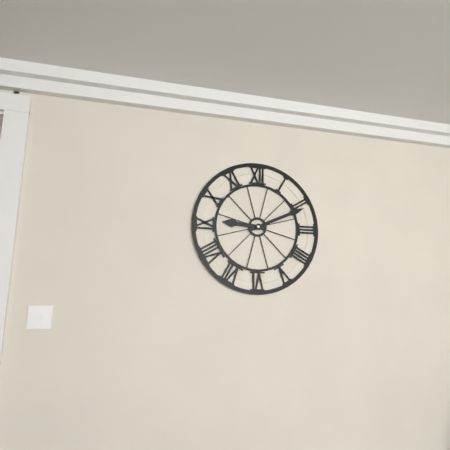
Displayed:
h=9 m=11
